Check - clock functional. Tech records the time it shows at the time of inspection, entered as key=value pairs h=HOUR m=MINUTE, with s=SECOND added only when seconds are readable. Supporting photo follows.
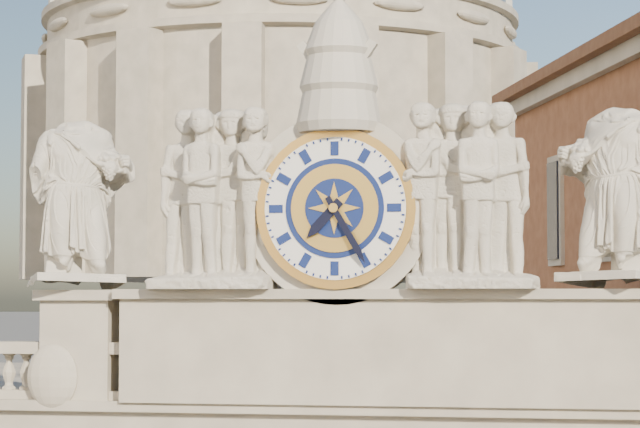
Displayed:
h=7 m=25
